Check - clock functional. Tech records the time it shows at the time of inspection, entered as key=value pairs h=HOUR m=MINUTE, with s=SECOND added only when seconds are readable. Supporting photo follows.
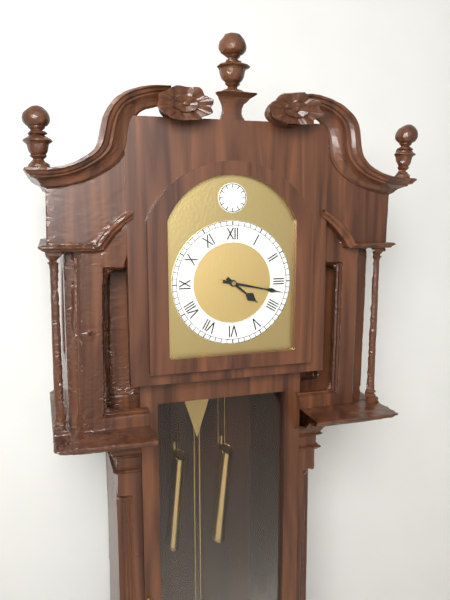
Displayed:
h=4 m=17
